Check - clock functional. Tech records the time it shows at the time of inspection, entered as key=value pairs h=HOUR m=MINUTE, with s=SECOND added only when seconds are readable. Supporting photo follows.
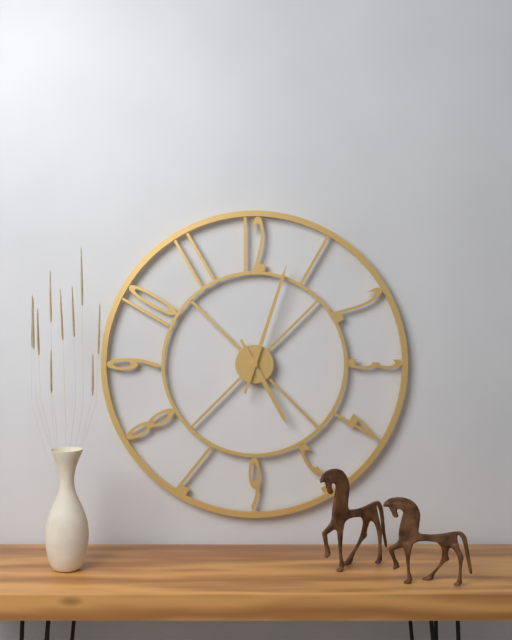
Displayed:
h=5 m=3
